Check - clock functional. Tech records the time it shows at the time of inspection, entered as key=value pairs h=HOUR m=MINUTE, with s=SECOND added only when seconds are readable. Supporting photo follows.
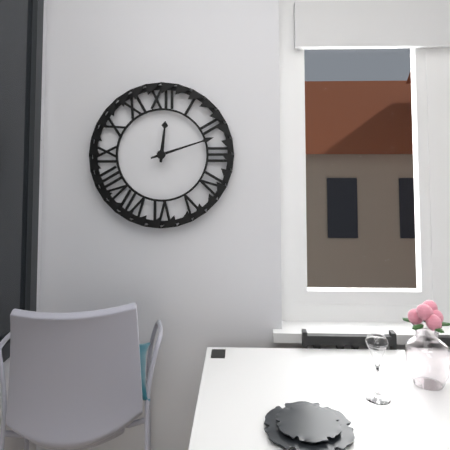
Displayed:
h=12 m=12
